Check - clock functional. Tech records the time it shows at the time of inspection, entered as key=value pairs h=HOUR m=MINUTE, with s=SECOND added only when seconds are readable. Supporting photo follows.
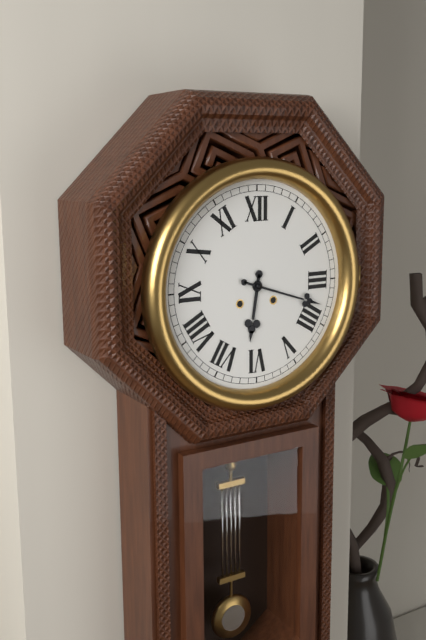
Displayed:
h=6 m=18
